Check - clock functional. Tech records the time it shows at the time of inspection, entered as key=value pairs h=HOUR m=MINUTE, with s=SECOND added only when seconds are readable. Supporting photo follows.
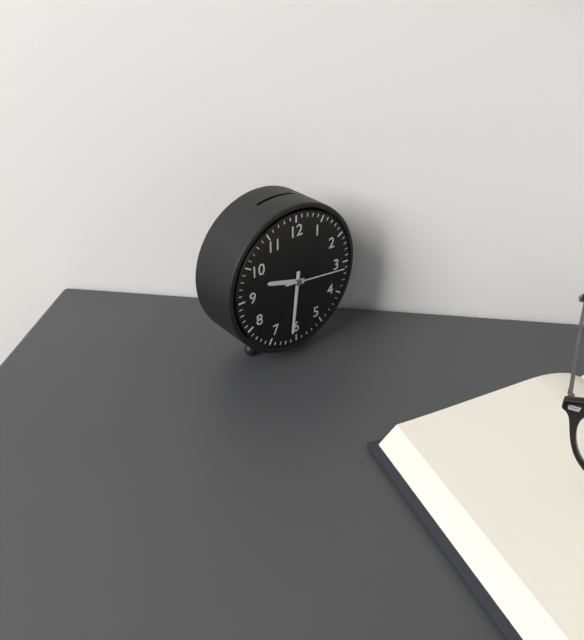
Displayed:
h=9 m=31 s=16
